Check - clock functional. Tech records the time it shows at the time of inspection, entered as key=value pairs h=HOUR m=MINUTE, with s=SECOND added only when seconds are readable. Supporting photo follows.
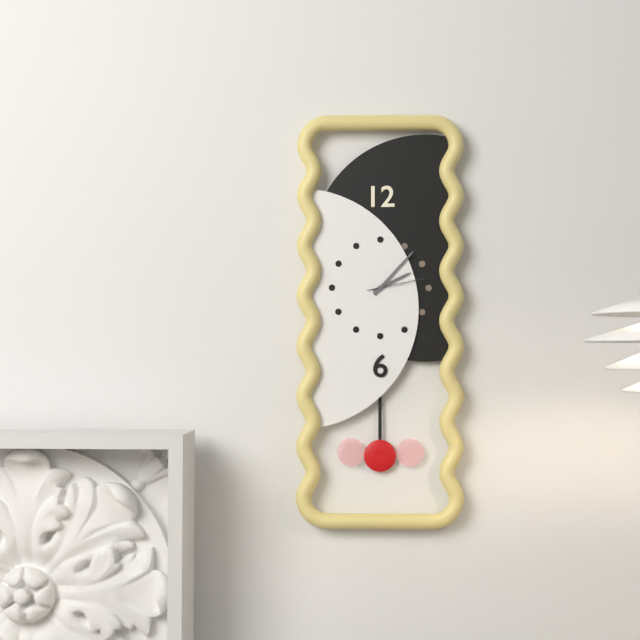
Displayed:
h=2 m=7 s=13
